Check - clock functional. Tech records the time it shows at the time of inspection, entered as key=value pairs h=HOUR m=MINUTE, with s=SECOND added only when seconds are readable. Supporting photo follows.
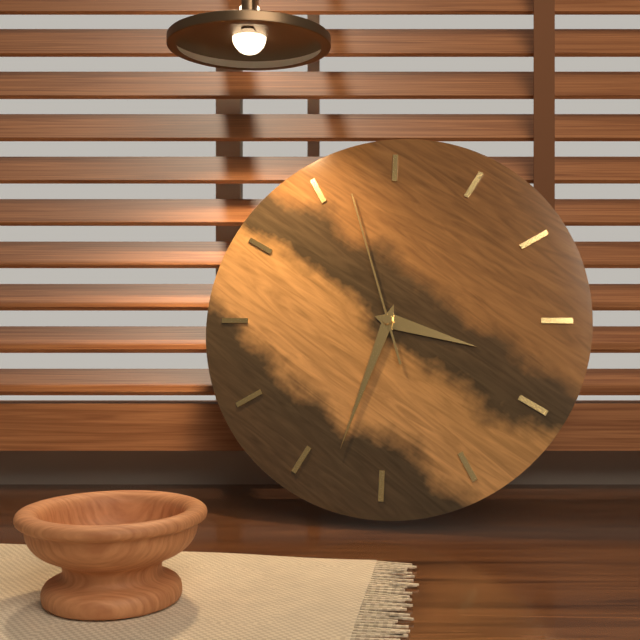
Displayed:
h=3 m=33 s=57
